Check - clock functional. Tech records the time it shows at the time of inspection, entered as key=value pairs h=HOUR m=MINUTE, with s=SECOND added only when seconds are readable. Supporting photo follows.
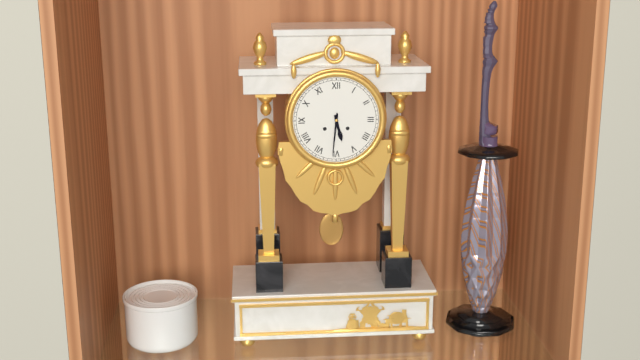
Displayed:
h=5 m=31
